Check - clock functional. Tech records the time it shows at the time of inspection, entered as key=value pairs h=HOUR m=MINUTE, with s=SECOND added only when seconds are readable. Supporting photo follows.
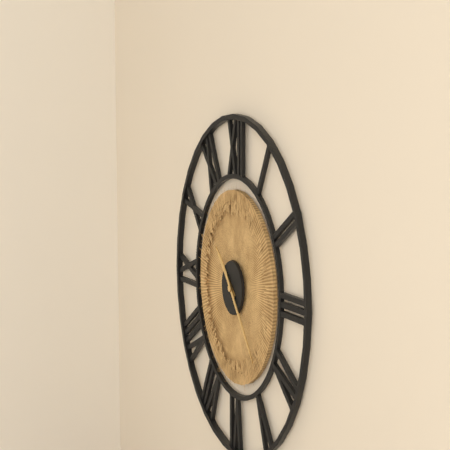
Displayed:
h=10 m=23
